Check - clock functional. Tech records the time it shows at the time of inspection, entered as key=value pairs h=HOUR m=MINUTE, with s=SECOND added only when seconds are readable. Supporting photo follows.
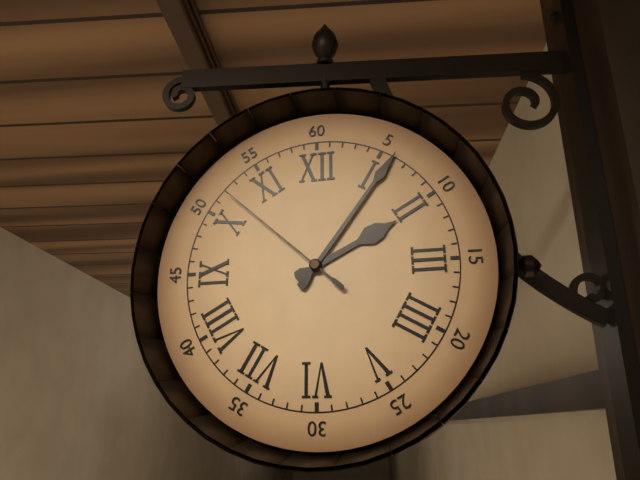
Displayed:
h=2 m=6 s=52
